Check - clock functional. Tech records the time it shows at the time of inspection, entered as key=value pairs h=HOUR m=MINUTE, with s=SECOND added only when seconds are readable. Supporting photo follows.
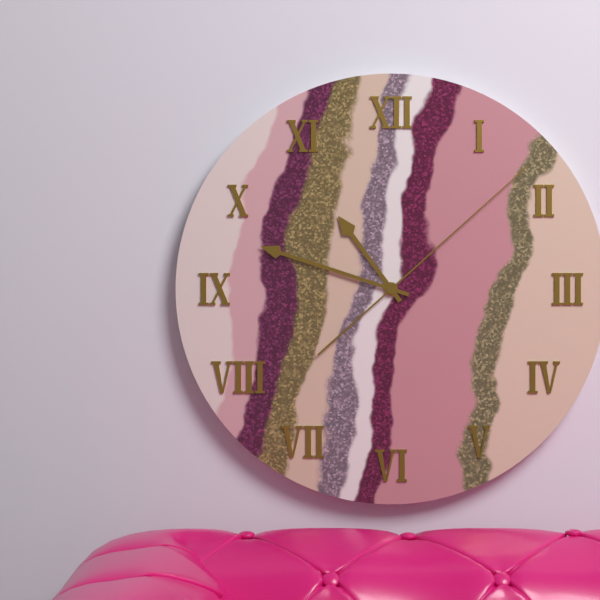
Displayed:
h=10 m=48 s=8
